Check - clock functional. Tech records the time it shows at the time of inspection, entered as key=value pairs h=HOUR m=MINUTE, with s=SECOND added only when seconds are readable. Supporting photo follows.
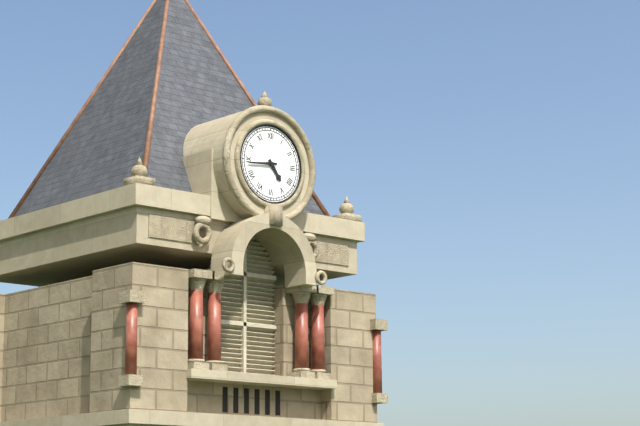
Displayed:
h=4 m=44
